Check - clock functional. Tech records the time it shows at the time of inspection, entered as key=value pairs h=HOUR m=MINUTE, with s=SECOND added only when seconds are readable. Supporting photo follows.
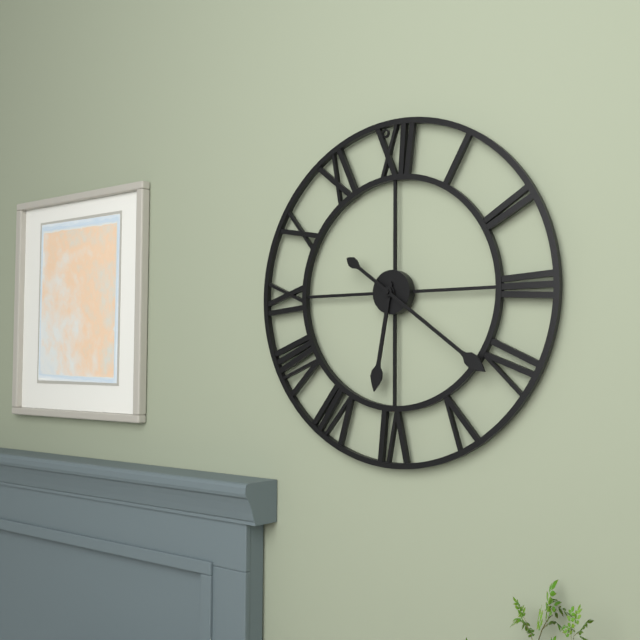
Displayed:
h=6 m=21
